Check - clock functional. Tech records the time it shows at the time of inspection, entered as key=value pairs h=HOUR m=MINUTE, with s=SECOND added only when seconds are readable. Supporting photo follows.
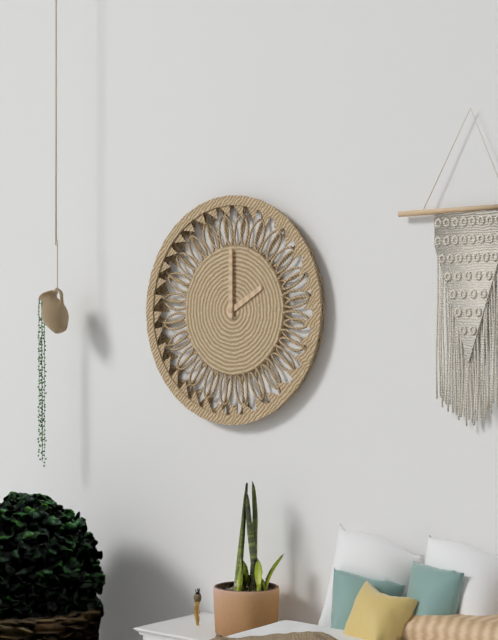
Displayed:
h=2 m=0
